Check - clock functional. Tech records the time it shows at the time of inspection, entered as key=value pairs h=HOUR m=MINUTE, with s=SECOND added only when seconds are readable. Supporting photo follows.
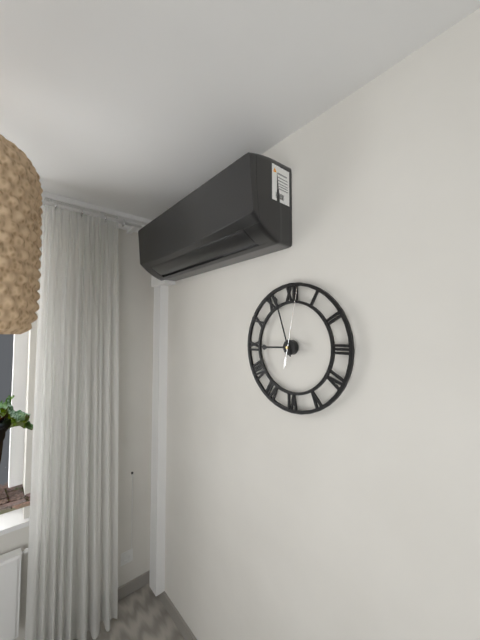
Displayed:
h=8 m=57 s=2
